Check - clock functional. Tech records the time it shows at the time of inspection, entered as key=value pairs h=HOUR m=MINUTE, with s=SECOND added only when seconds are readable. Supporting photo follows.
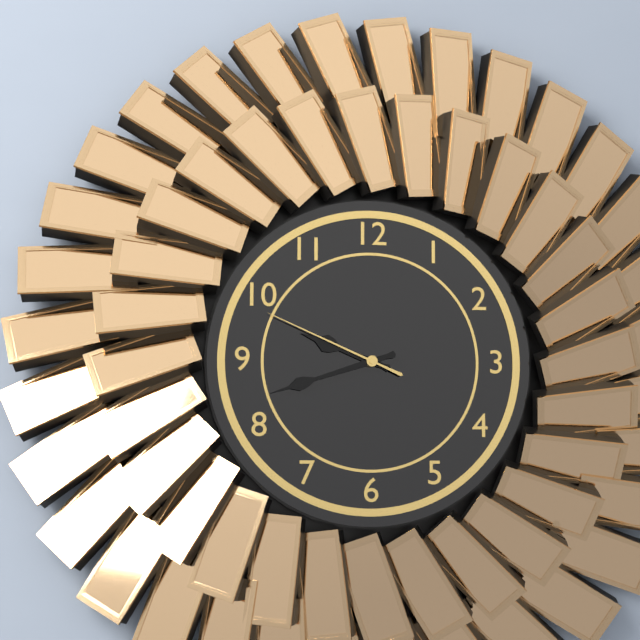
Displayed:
h=9 m=42 s=49
